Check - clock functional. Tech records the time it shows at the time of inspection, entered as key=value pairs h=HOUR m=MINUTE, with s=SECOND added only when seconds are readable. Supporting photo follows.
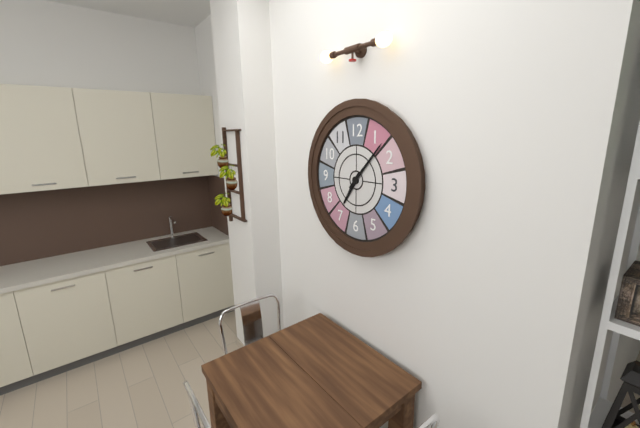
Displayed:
h=7 m=7
